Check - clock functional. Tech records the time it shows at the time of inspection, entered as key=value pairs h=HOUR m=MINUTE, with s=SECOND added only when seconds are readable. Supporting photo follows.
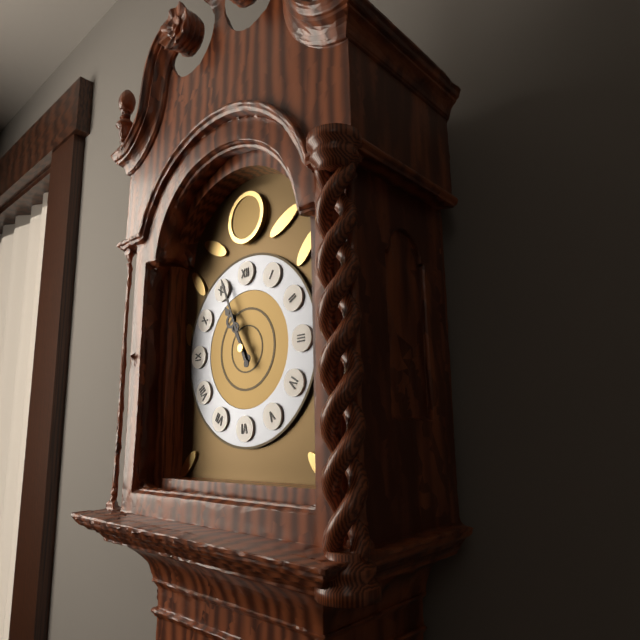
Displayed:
h=10 m=56
